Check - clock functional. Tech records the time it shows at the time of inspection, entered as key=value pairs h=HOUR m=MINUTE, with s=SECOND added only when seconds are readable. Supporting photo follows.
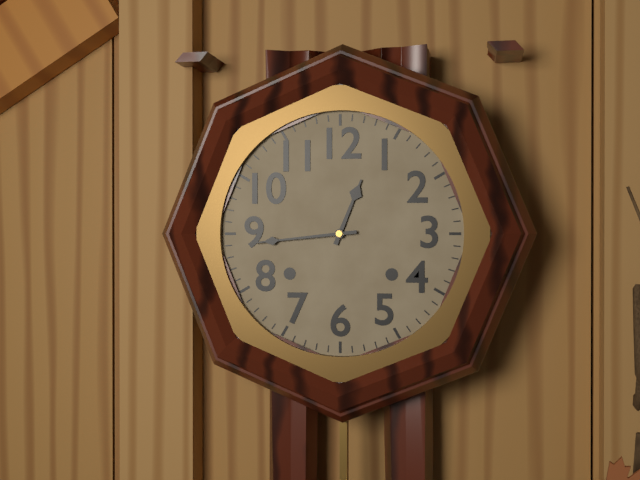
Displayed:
h=12 m=44
